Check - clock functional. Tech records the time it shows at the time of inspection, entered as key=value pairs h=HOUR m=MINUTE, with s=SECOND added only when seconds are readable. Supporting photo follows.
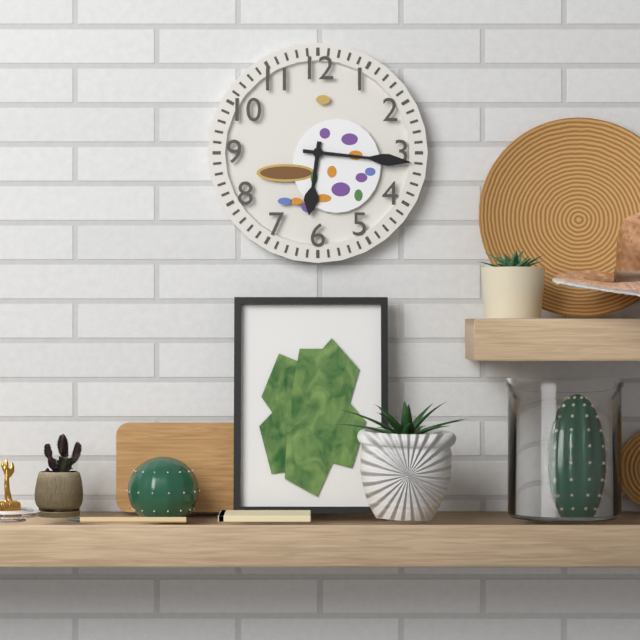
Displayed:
h=6 m=16
